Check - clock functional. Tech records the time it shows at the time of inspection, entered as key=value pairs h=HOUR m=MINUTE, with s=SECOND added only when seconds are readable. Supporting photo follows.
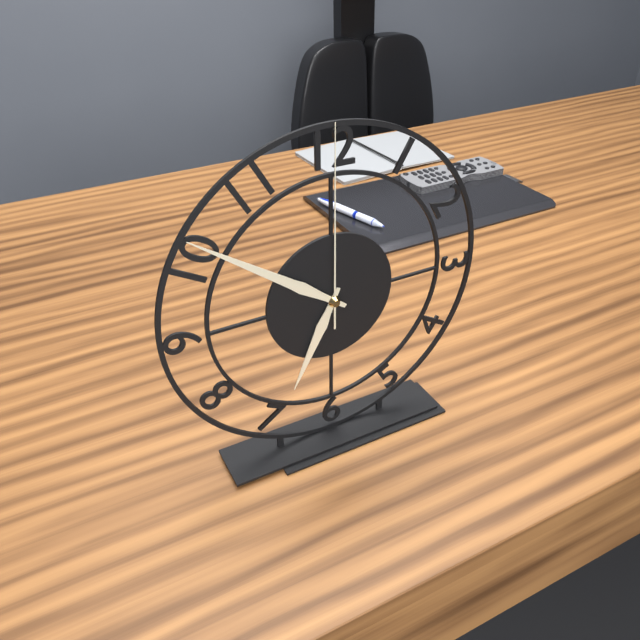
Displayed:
h=6 m=51 s=0
